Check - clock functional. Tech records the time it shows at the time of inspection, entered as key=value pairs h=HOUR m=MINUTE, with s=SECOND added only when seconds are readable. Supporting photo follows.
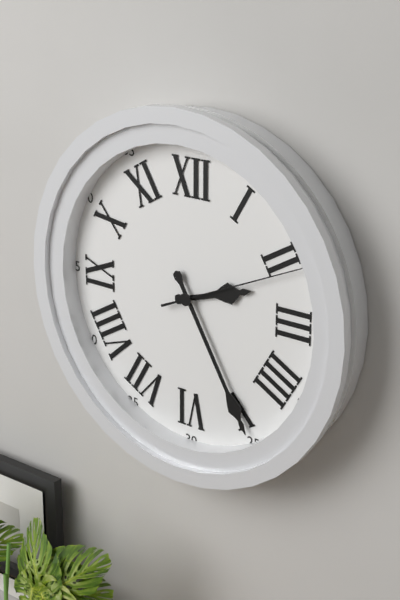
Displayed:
h=2 m=25 s=11
